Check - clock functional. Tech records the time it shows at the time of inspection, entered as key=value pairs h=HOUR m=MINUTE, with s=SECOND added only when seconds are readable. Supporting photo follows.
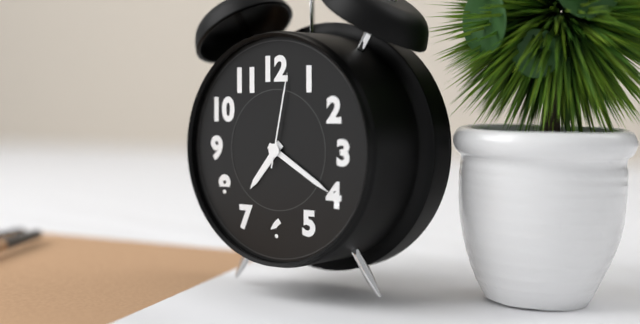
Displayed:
h=7 m=20 s=2
